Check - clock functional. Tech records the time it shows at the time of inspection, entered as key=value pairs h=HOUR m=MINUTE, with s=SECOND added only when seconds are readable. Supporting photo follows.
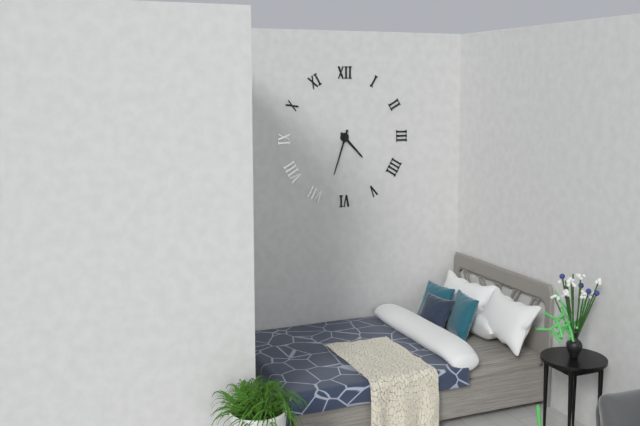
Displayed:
h=4 m=33
